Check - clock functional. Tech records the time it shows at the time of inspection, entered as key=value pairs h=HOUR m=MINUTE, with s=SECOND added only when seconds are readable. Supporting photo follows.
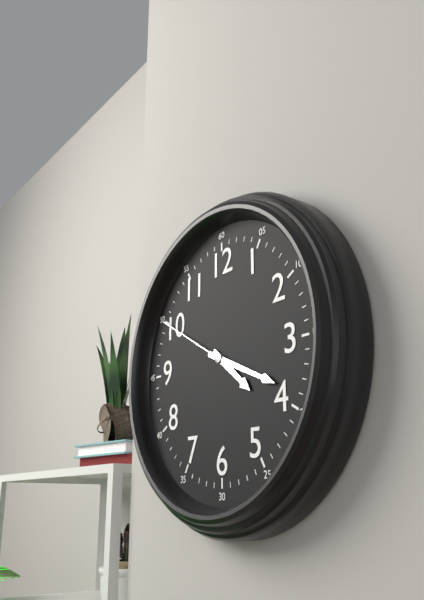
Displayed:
h=4 m=19 s=50
